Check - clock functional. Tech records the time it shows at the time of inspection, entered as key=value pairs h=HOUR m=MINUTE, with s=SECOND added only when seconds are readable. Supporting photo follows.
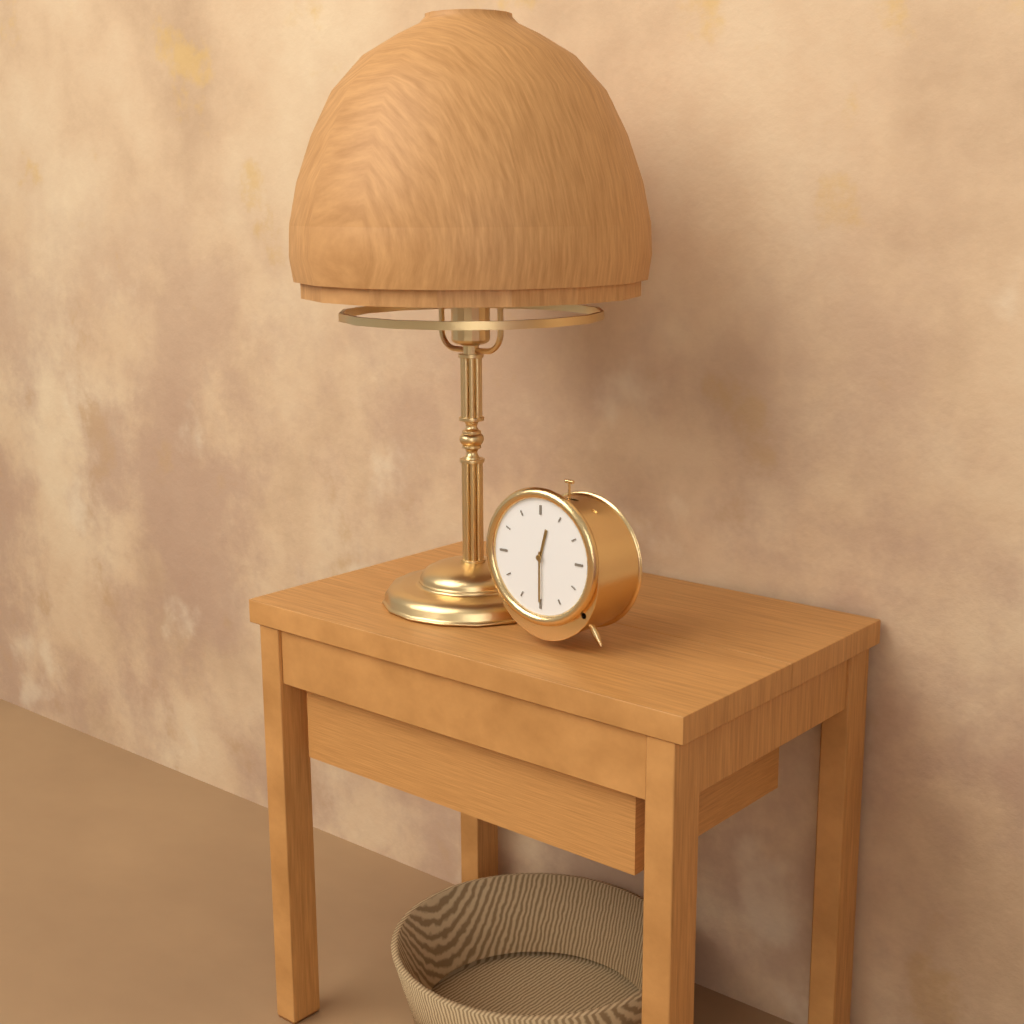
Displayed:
h=12 m=30
